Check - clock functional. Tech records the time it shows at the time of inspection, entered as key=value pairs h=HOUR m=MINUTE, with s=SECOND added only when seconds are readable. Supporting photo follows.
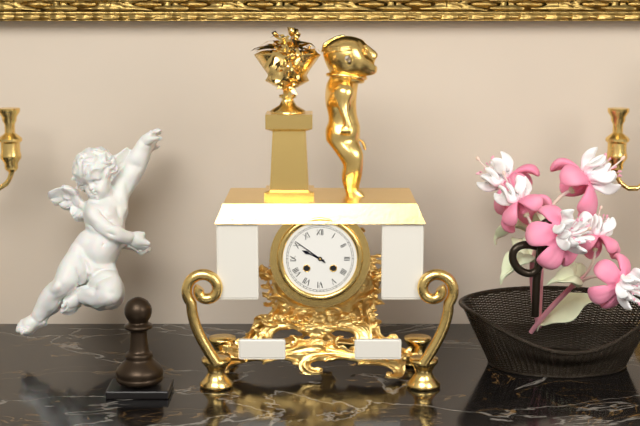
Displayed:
h=9 m=51
